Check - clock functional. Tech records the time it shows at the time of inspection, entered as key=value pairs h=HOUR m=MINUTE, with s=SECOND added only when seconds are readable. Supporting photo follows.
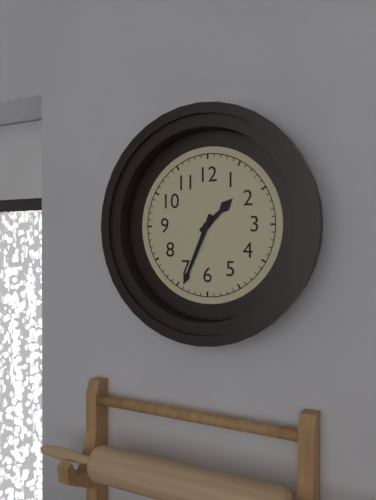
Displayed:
h=1 m=34
